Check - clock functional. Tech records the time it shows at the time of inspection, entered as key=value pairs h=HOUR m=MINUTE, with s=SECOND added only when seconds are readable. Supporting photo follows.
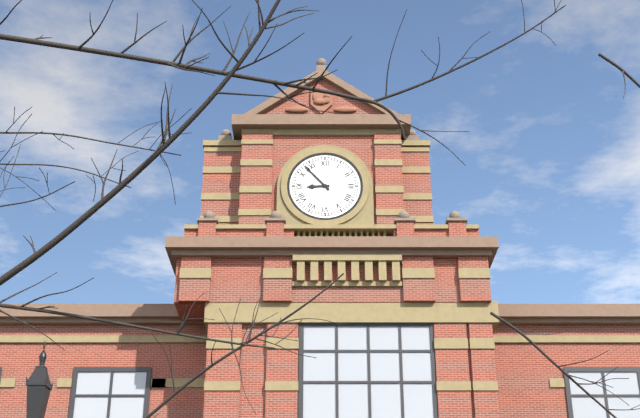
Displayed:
h=8 m=53
